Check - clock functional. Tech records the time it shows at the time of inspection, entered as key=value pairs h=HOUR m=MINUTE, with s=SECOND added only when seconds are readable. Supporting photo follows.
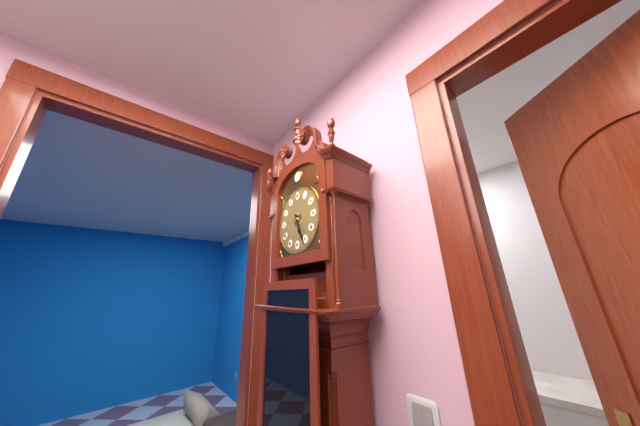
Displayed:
h=5 m=26
